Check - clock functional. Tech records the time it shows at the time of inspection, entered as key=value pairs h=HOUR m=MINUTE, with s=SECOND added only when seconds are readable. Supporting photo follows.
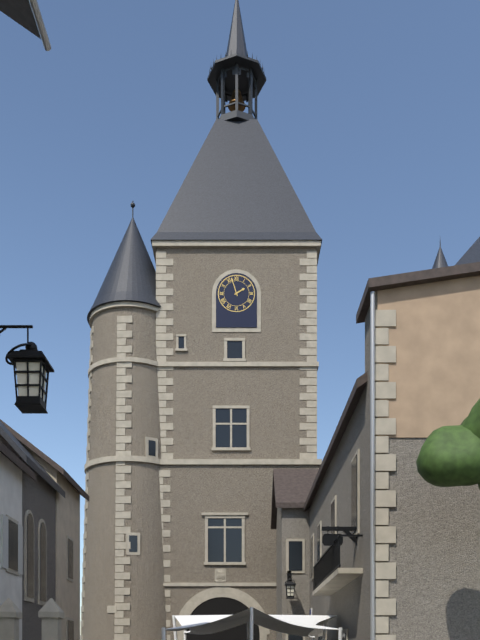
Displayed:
h=1 m=57
